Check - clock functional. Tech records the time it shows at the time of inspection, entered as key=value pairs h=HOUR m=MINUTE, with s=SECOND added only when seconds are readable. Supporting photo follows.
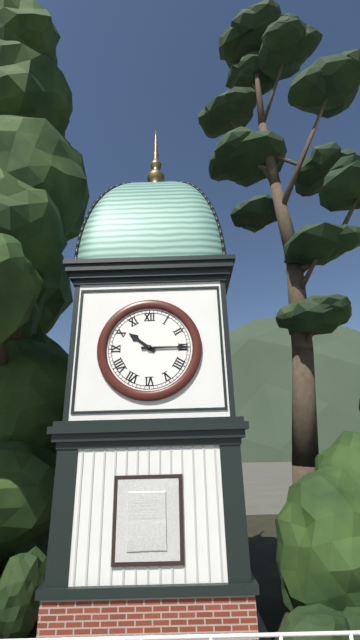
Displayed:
h=10 m=15
